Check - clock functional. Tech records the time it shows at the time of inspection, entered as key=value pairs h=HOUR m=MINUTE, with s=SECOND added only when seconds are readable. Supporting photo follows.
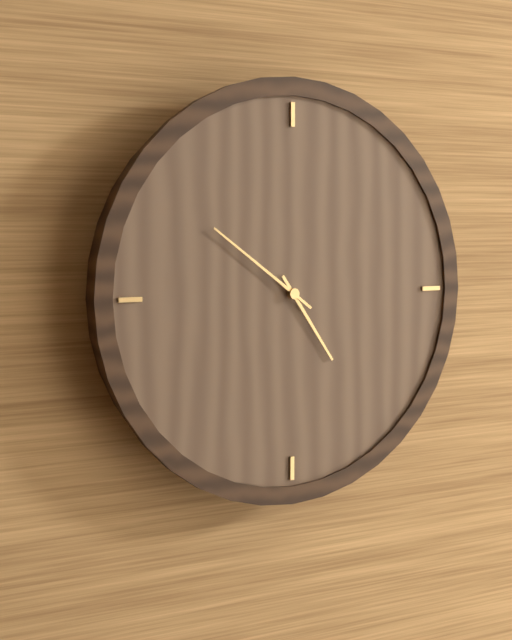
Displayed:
h=4 m=51
